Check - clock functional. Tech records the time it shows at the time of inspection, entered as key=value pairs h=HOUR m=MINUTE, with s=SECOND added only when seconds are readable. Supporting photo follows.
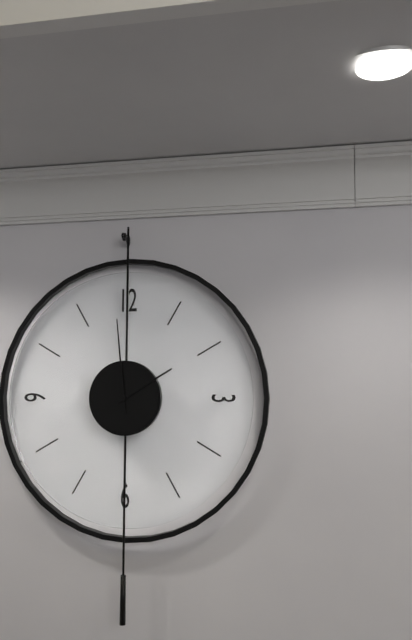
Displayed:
h=1 m=59
